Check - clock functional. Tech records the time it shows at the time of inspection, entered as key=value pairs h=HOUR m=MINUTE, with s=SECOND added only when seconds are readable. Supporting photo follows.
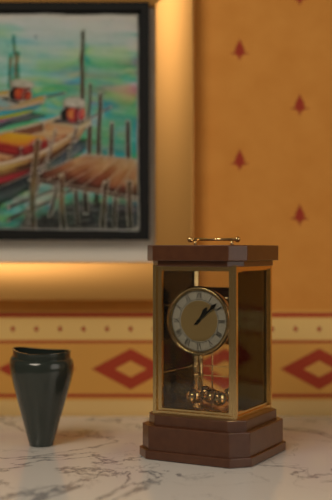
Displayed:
h=1 m=8
